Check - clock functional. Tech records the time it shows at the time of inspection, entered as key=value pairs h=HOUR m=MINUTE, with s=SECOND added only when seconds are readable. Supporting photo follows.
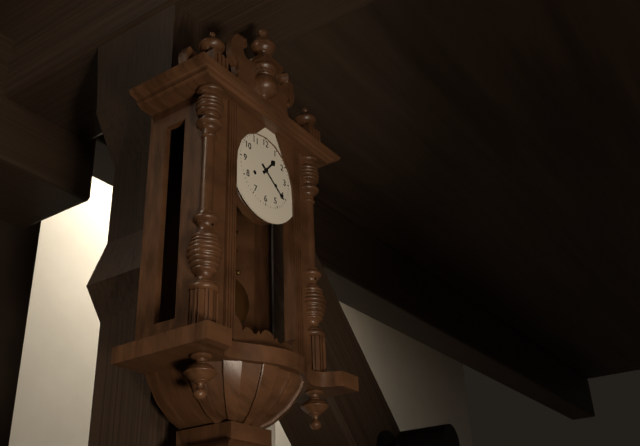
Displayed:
h=1 m=21
